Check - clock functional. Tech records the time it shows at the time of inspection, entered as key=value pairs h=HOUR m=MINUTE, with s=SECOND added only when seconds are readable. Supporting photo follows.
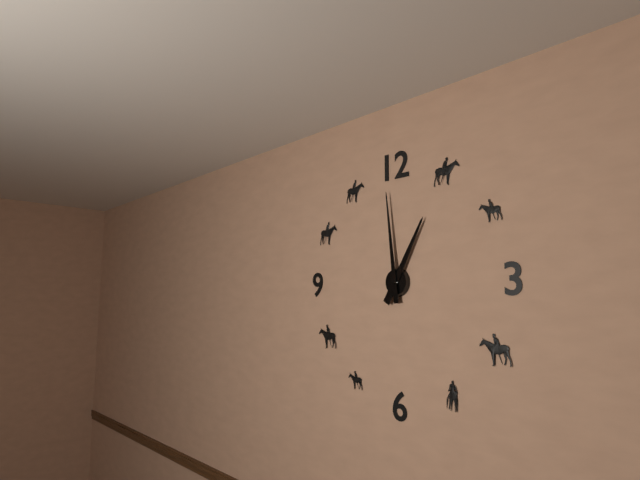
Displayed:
h=12 m=59
